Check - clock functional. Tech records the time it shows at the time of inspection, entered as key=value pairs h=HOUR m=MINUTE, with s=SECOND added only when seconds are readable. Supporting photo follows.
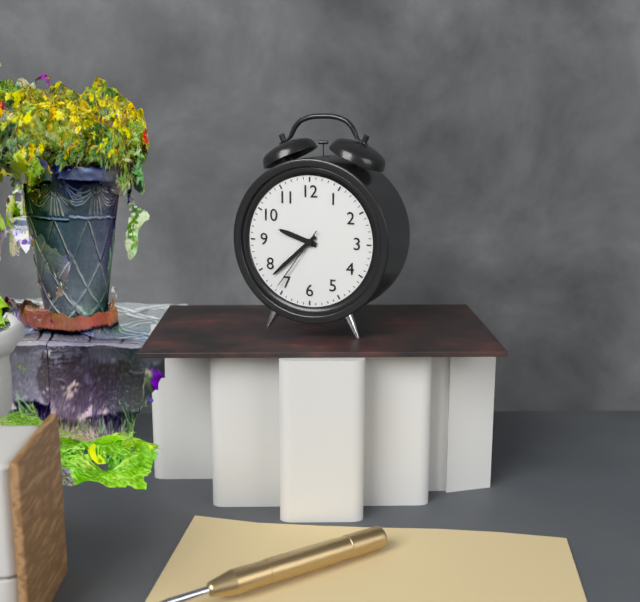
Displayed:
h=9 m=38 s=36
